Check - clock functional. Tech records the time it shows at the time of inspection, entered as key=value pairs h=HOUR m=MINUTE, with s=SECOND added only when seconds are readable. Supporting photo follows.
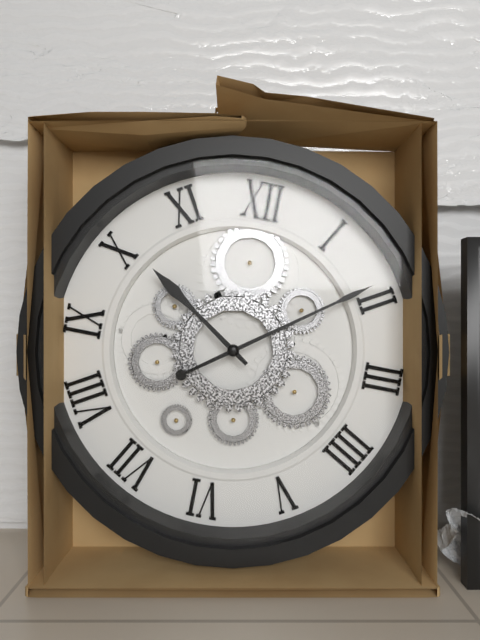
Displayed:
h=10 m=9
